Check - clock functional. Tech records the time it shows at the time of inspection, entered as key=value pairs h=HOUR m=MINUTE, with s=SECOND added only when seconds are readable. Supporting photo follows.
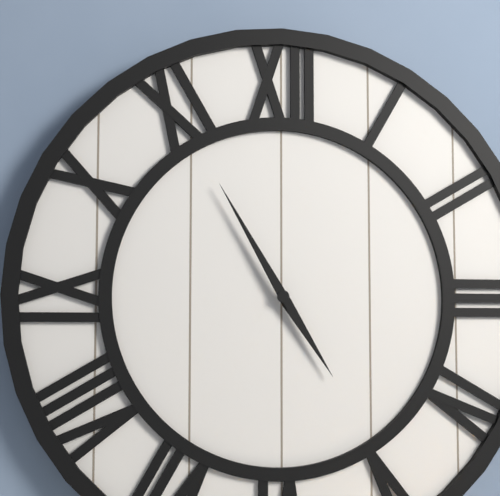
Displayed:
h=4 m=55
